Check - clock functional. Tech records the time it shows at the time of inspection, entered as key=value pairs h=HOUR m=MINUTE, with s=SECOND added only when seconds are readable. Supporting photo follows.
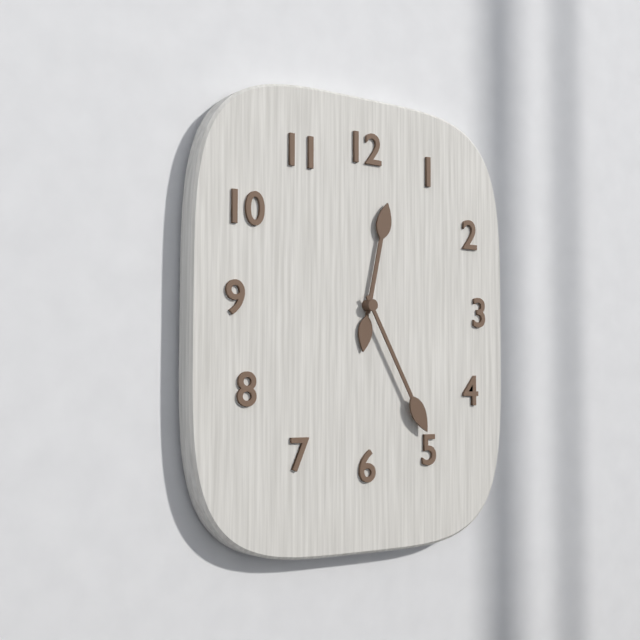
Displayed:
h=12 m=25
